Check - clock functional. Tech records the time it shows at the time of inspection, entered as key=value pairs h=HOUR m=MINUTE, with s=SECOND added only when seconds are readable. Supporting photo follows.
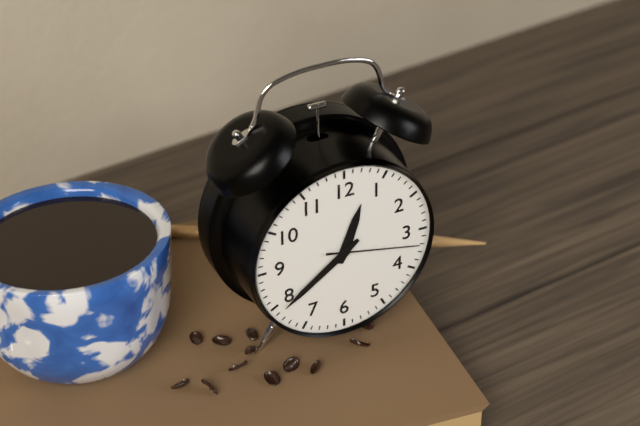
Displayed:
h=12 m=39 s=17
